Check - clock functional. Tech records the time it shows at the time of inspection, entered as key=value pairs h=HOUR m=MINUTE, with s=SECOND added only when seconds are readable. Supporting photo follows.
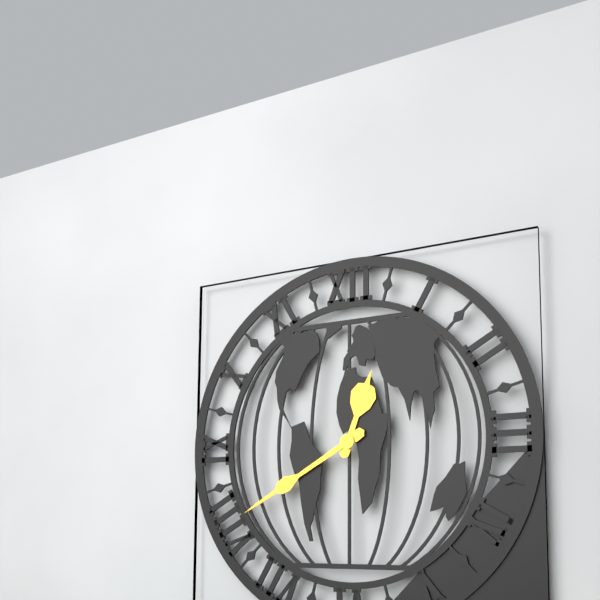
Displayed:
h=12 m=40
